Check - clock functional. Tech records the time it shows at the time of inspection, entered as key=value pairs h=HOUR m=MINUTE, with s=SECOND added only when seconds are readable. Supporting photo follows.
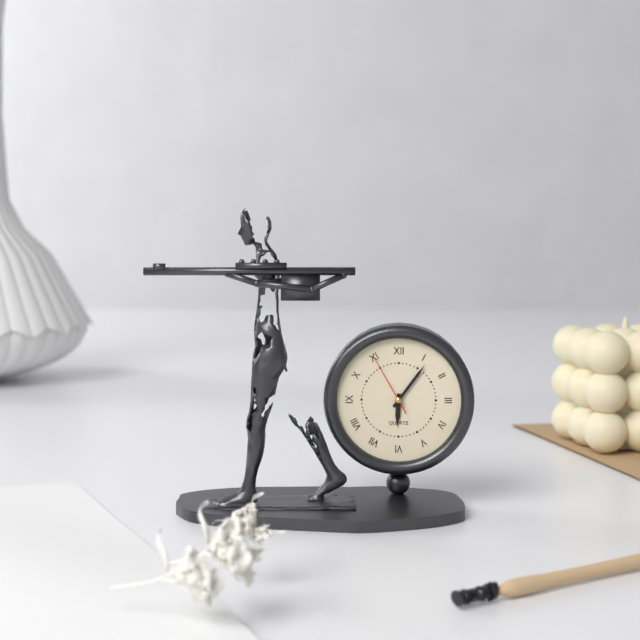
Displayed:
h=6 m=6 s=55
